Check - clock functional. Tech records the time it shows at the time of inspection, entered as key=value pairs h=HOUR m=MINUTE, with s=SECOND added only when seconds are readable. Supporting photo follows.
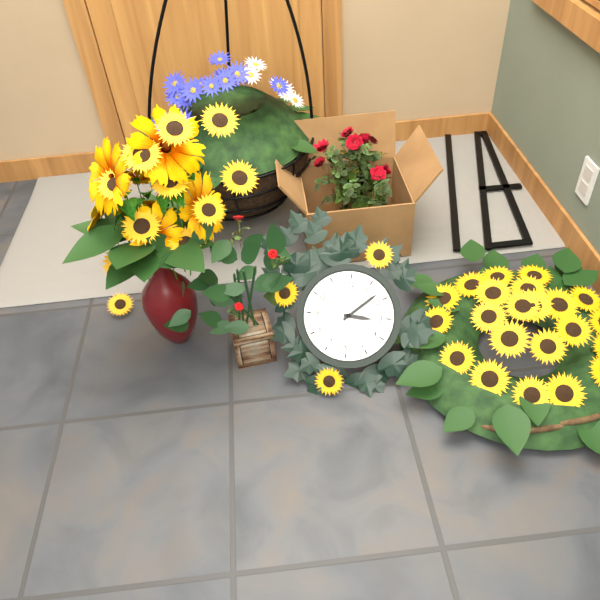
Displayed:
h=3 m=8
